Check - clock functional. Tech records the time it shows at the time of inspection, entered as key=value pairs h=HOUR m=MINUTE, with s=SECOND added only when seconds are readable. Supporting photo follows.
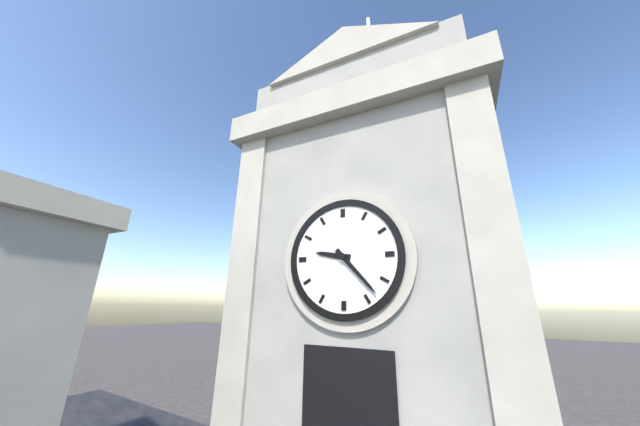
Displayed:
h=9 m=23
